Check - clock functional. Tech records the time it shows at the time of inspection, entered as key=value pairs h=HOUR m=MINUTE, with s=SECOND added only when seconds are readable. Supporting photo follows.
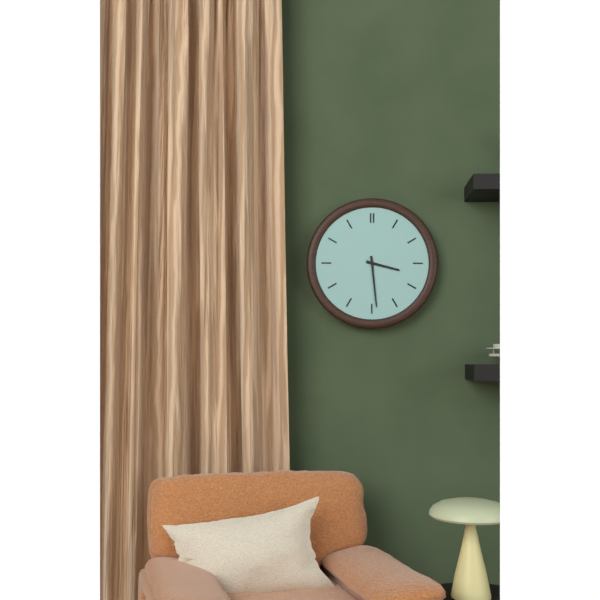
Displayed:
h=3 m=29
